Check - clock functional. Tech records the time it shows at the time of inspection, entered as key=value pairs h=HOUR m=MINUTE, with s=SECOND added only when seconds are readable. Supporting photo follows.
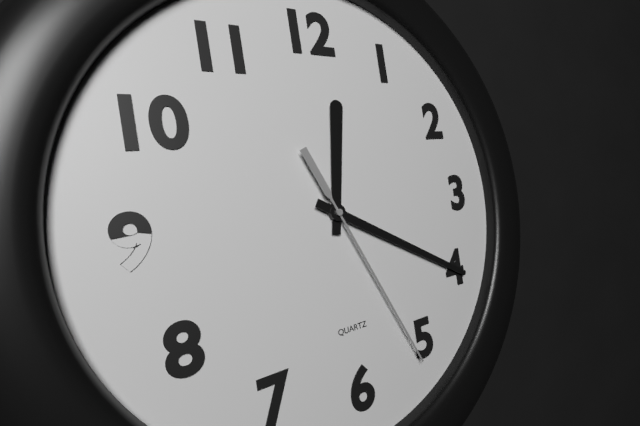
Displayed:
h=12 m=20 s=26
